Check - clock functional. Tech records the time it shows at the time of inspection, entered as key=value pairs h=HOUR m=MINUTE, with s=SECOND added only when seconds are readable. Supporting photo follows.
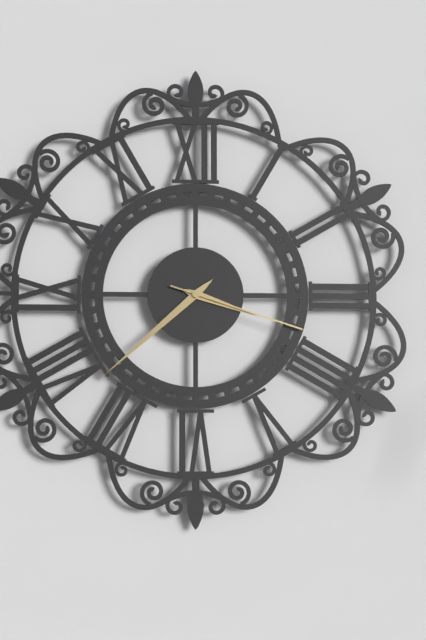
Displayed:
h=3 m=38 s=18
